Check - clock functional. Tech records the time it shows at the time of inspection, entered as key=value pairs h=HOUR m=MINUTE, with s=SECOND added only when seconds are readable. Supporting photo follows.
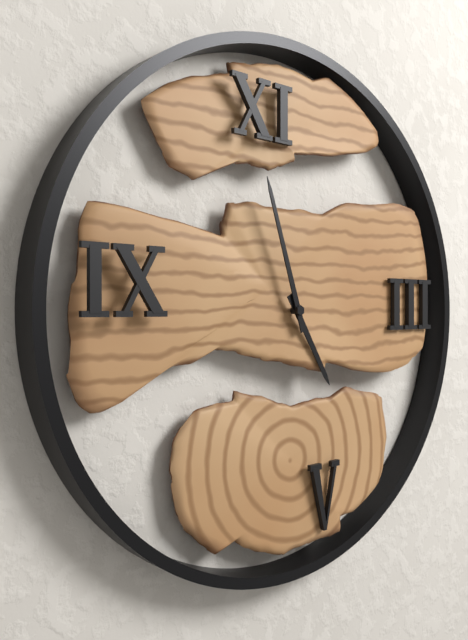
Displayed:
h=4 m=57
